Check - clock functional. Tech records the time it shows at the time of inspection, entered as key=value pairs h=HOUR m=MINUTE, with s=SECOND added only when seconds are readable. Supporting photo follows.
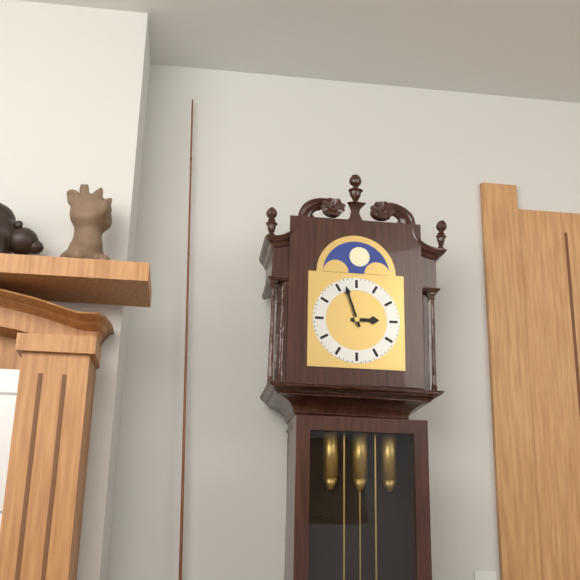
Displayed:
h=2 m=57
